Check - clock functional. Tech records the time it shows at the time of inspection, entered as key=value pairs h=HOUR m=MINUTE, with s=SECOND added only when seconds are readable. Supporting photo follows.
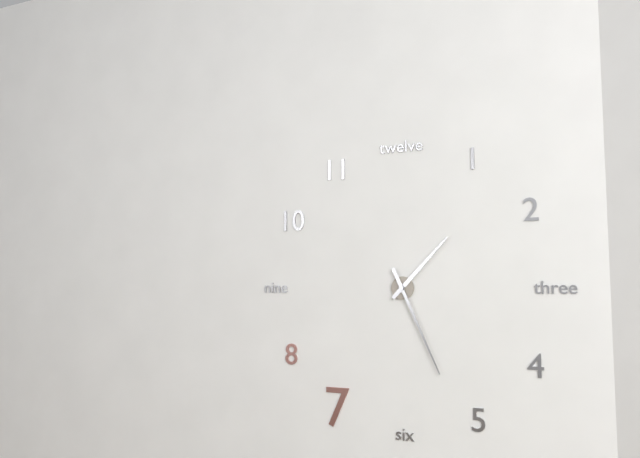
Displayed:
h=1 m=26
